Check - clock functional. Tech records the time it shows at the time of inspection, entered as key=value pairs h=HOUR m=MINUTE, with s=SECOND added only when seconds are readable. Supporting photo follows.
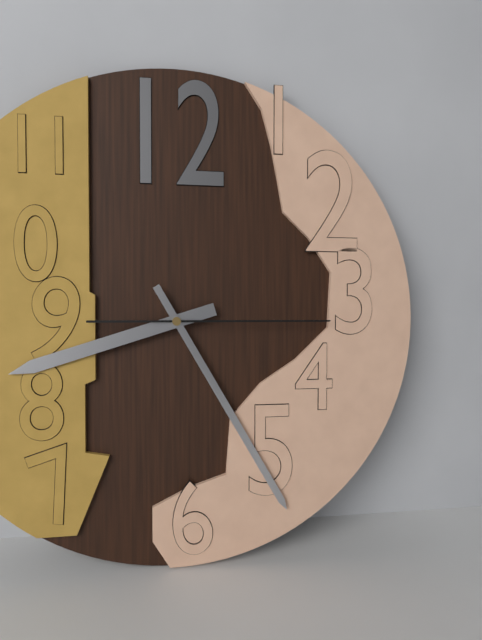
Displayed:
h=8 m=25 s=15
